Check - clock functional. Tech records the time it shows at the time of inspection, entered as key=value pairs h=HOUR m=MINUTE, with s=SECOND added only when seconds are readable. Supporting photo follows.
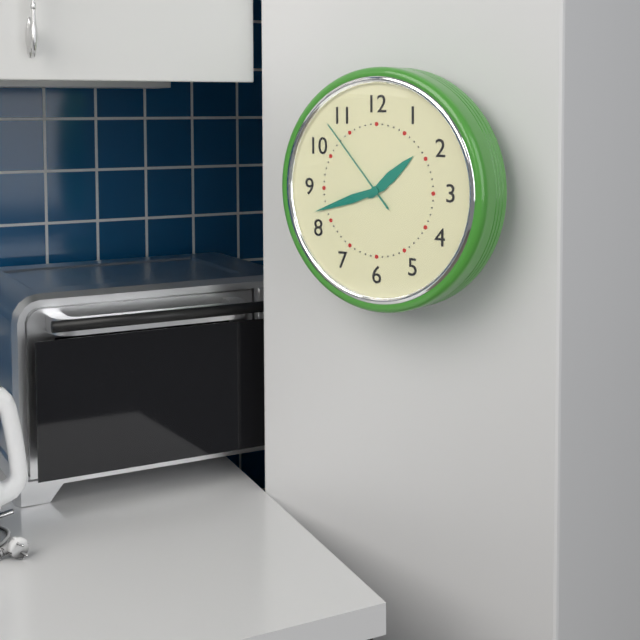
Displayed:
h=1 m=42 s=53
